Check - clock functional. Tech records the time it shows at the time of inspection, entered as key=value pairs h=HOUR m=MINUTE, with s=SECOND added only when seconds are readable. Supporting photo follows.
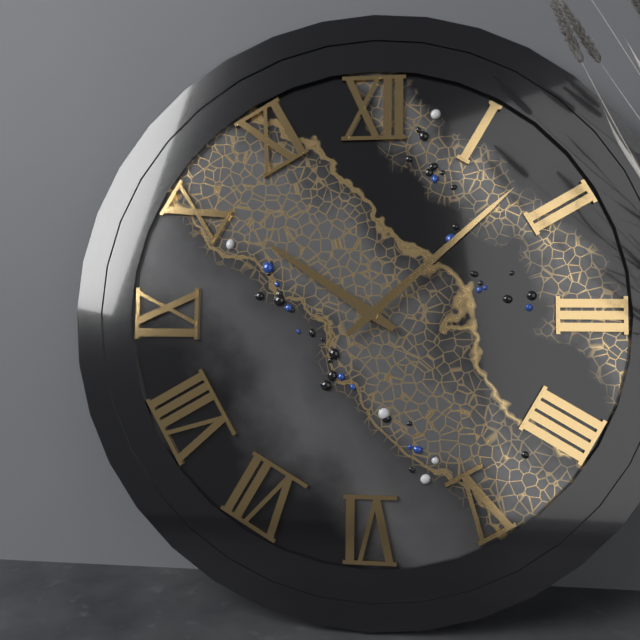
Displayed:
h=10 m=8
